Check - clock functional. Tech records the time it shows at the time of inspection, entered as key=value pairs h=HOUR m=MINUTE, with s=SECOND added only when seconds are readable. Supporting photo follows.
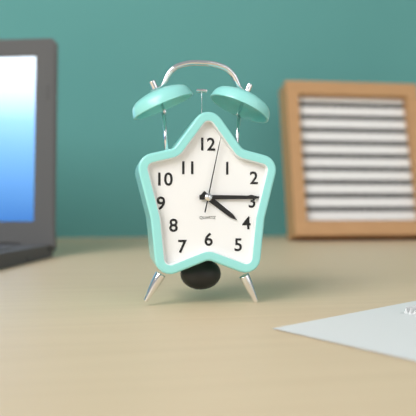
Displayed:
h=4 m=15 s=2
